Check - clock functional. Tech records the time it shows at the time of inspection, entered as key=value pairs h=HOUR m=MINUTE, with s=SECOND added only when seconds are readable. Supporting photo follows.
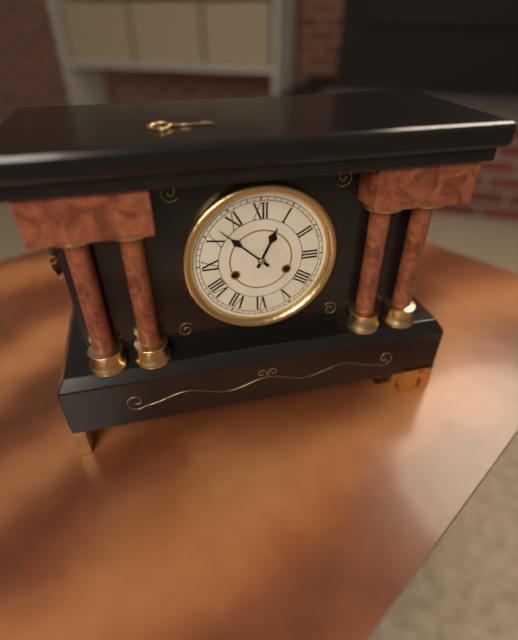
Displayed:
h=12 m=52
